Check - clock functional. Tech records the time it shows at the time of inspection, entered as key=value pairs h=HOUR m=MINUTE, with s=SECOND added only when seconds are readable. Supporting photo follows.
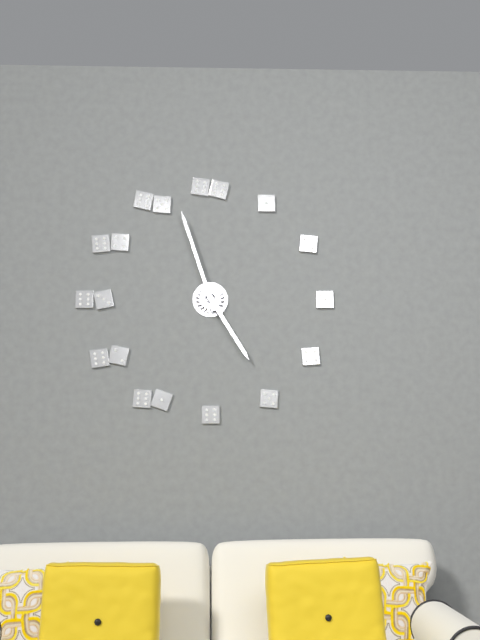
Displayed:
h=4 m=57
